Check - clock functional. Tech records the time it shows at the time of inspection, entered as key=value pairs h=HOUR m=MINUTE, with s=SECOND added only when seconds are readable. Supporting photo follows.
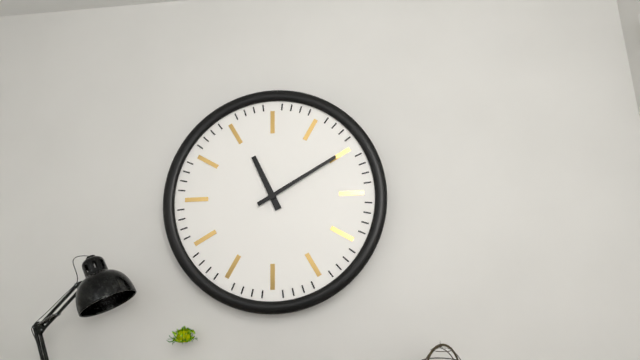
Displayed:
h=11 m=10
